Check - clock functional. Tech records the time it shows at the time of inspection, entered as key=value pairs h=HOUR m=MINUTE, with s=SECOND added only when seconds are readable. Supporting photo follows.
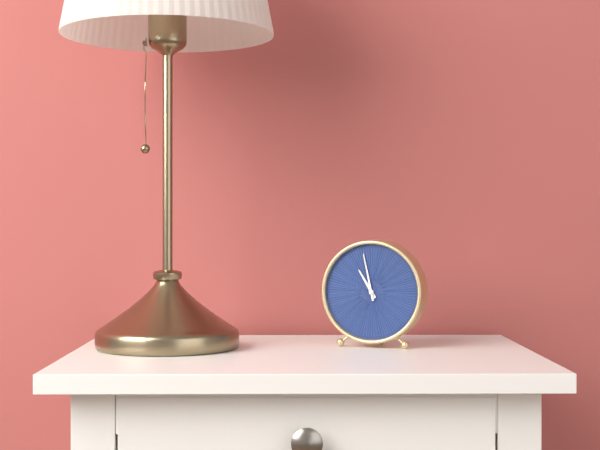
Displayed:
h=10 m=58
